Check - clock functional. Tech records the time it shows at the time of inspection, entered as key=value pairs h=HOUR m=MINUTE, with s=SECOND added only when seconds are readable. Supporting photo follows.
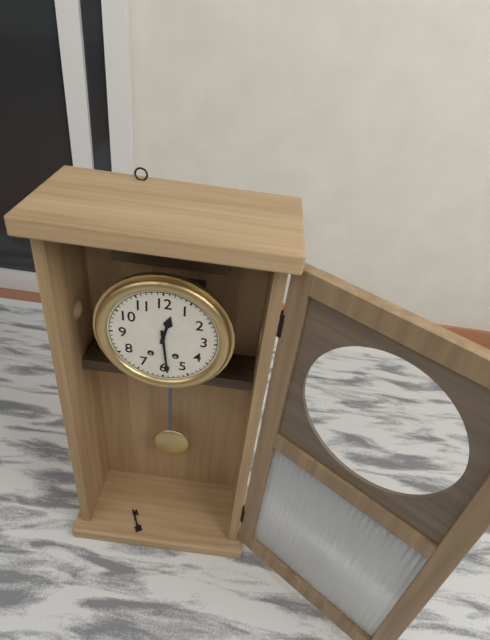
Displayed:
h=12 m=29
